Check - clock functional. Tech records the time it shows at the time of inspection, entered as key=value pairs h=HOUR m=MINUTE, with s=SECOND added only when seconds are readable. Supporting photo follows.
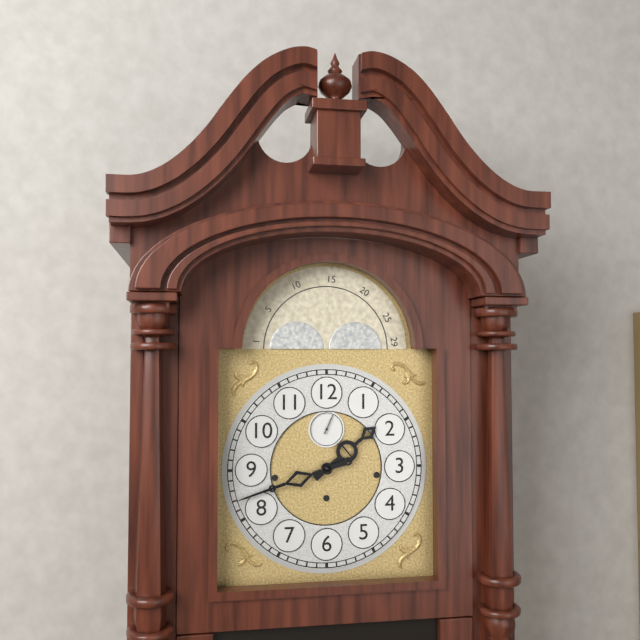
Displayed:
h=1 m=42
